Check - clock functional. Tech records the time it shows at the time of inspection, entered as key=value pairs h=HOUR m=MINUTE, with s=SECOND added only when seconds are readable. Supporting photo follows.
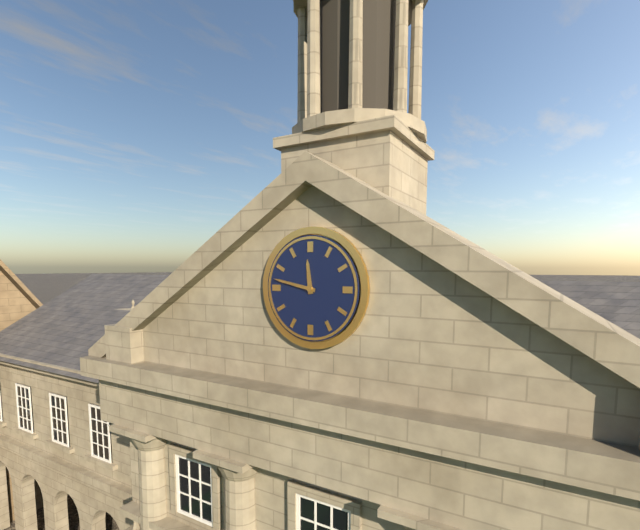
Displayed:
h=11 m=47
